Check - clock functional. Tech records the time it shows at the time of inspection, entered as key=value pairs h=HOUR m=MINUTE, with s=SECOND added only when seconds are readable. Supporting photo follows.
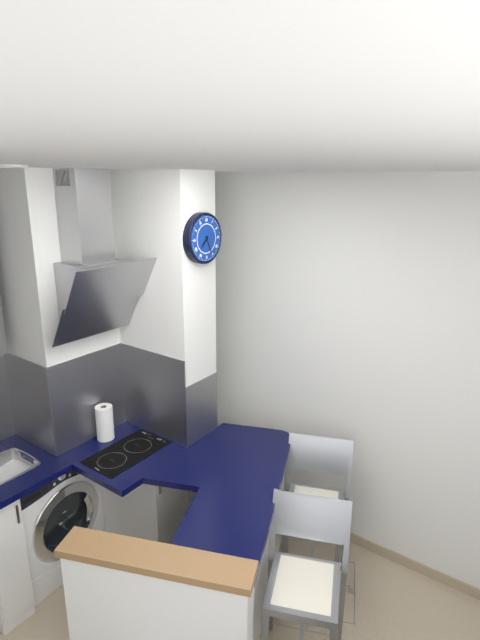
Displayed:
h=7 m=26
